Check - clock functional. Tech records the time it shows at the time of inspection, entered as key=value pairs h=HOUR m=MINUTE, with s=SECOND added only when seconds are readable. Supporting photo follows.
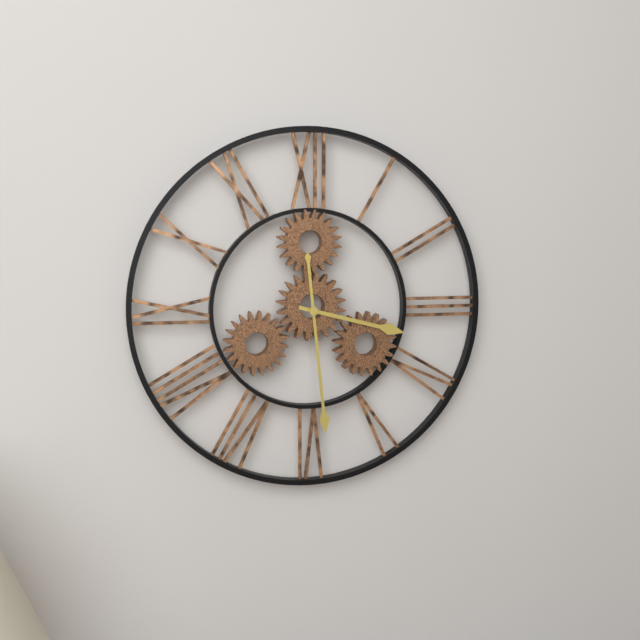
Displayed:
h=3 m=29
